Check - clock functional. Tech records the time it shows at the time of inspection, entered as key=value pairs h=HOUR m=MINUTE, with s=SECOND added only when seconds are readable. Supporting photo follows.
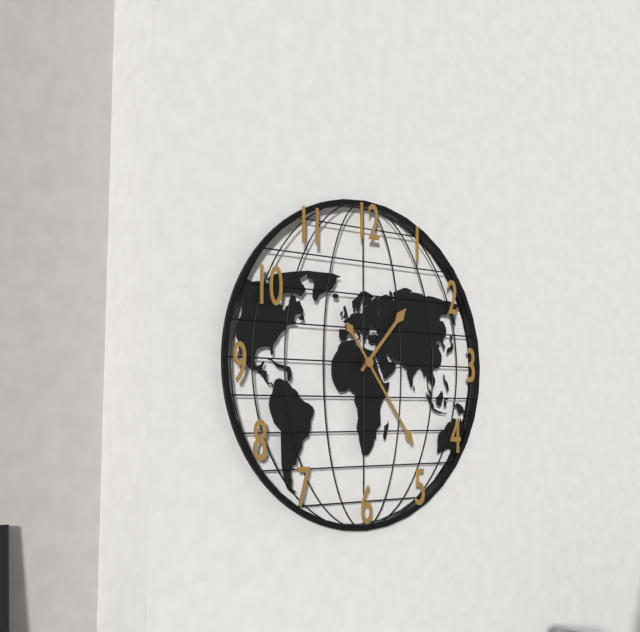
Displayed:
h=1 m=24
